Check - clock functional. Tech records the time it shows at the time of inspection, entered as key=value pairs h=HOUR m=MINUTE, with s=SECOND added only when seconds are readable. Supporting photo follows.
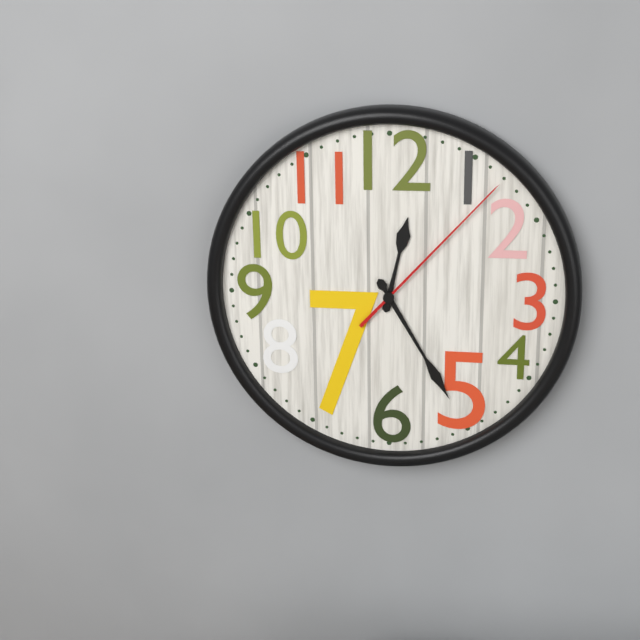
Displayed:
h=12 m=25 s=7
